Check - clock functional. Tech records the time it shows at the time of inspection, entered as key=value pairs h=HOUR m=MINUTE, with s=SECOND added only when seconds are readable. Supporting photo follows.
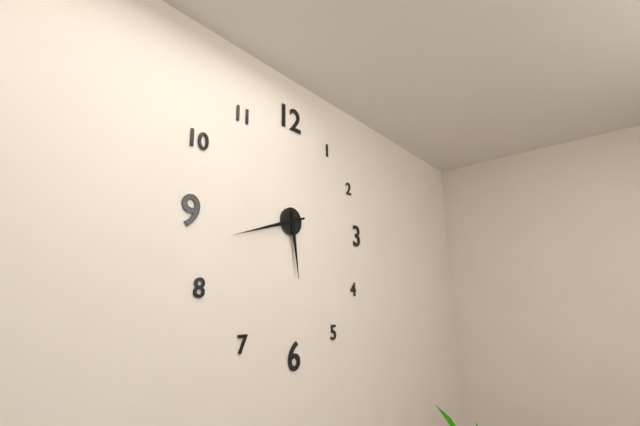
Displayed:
h=5 m=42
